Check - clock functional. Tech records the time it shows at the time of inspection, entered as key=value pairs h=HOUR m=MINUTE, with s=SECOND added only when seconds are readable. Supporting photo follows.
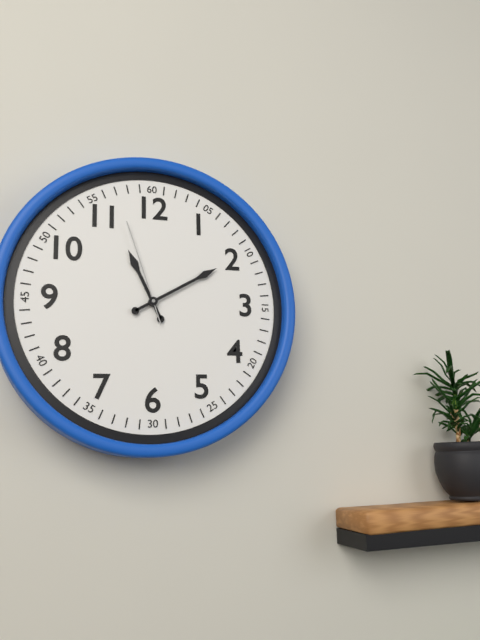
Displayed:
h=11 m=10 s=57
